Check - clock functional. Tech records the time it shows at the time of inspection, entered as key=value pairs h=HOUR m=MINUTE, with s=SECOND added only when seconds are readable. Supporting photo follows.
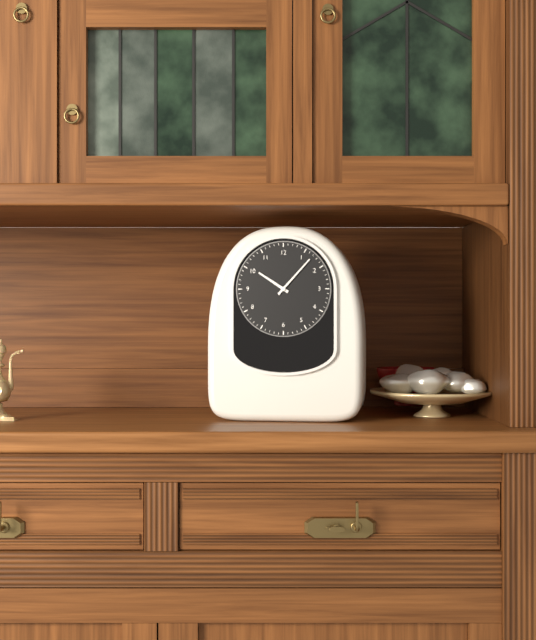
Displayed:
h=10 m=7
